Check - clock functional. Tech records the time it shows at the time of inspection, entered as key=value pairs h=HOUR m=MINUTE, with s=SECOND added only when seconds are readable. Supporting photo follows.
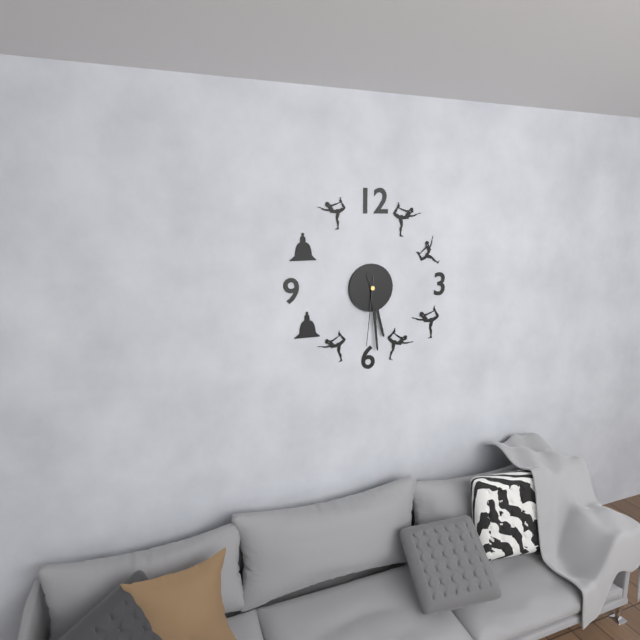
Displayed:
h=5 m=29 s=31
